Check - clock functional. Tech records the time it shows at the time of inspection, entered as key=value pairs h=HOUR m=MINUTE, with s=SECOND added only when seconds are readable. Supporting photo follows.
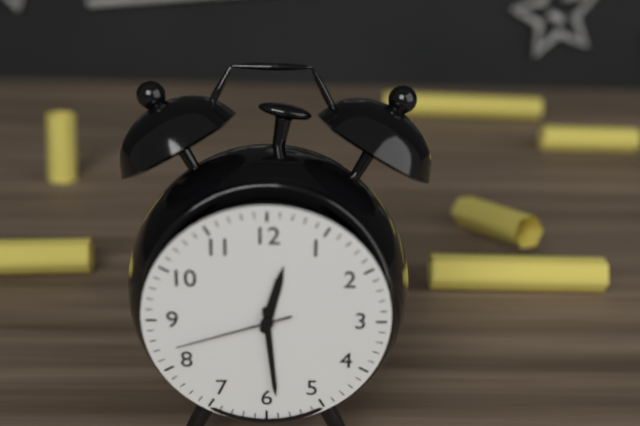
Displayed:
h=12 m=29 s=42
